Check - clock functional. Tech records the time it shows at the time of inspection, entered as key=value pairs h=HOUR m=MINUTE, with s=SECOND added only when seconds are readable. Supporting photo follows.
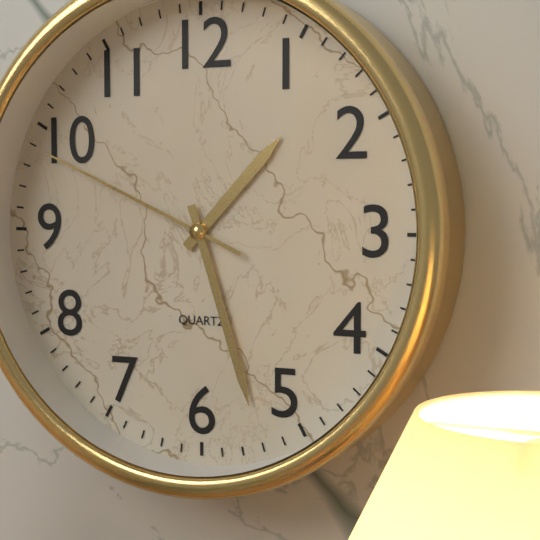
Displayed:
h=1 m=27 s=49
